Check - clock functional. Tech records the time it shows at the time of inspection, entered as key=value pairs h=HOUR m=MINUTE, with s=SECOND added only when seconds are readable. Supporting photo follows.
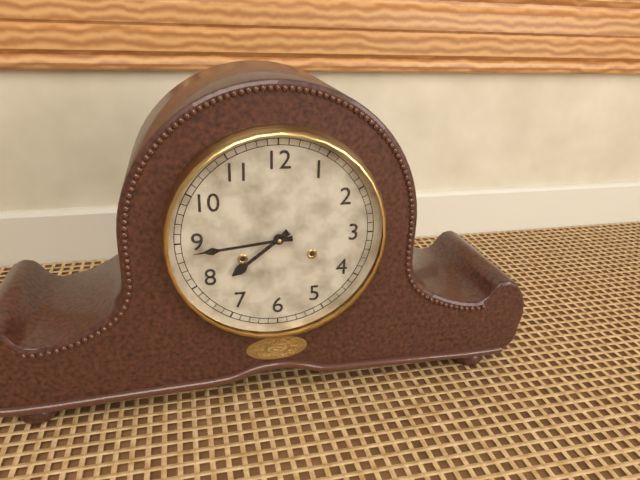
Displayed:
h=7 m=44
